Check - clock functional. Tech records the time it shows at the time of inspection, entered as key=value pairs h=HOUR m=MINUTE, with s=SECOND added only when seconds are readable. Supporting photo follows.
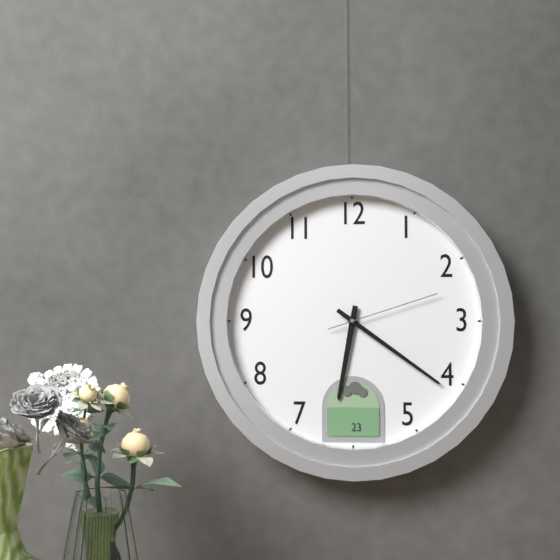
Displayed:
h=6 m=21 s=12
